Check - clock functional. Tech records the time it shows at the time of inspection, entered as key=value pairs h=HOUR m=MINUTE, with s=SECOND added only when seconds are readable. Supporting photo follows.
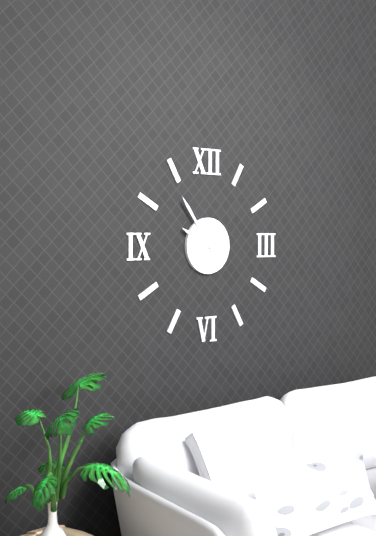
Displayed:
h=9 m=54
